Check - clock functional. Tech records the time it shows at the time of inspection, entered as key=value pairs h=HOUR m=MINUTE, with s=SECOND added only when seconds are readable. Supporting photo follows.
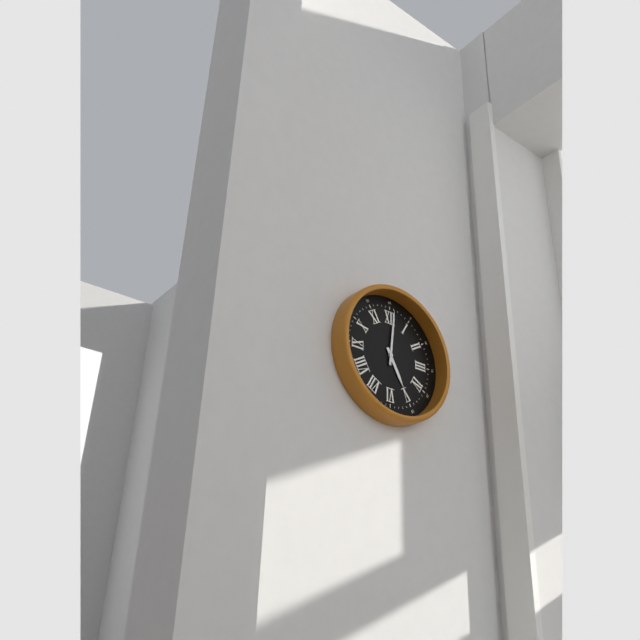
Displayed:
h=5 m=1
